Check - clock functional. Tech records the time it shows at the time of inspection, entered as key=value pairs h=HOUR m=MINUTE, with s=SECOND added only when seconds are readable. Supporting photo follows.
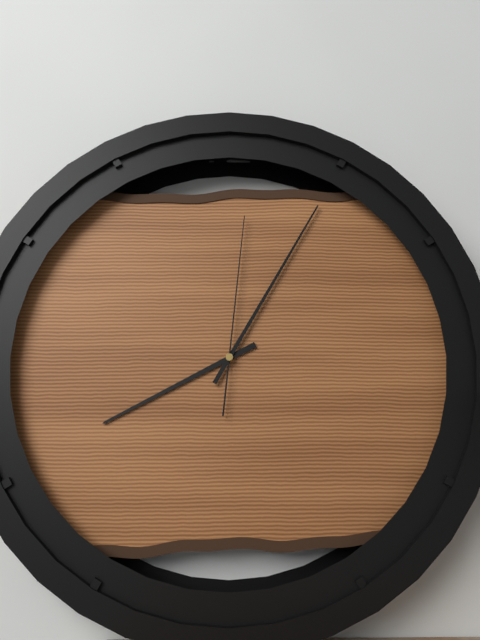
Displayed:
h=8 m=5 s=1
